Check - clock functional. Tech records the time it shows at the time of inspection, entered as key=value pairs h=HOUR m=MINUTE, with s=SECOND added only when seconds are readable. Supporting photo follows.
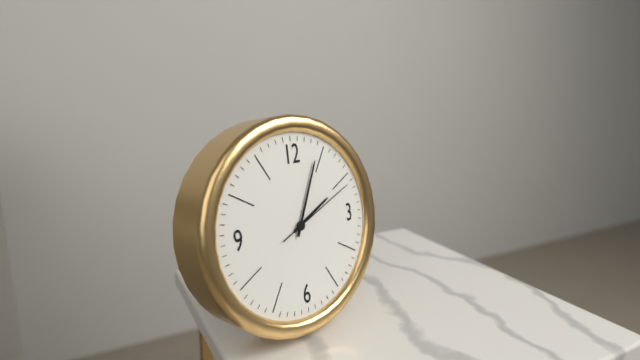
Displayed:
h=2 m=4 s=11
